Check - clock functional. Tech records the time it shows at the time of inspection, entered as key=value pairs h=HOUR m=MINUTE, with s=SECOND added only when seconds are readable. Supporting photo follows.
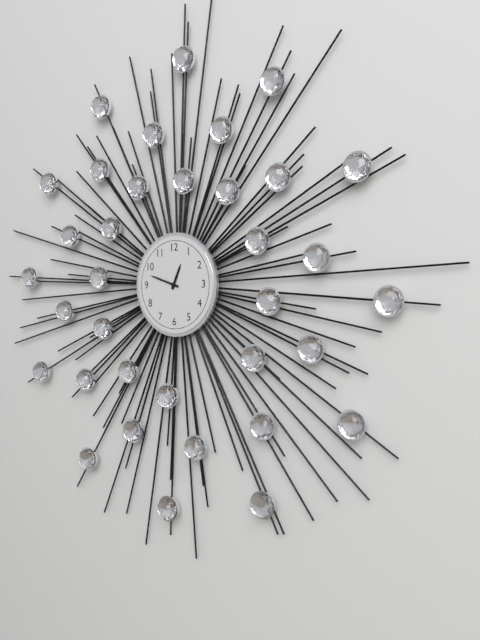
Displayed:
h=12 m=48
